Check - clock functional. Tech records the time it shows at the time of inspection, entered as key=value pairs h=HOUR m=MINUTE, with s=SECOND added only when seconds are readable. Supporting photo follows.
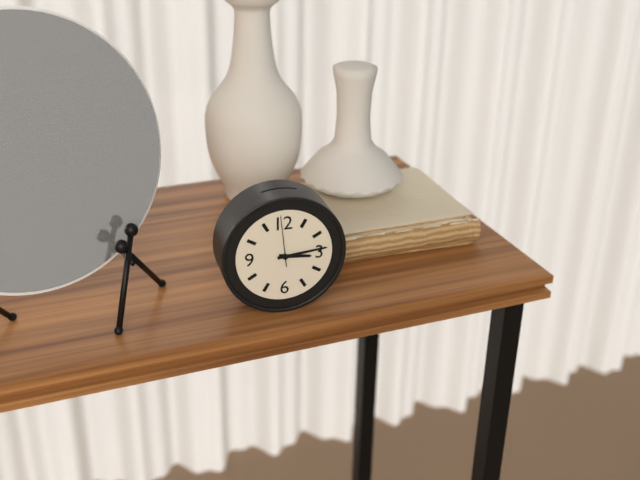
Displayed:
h=3 m=14 s=59
